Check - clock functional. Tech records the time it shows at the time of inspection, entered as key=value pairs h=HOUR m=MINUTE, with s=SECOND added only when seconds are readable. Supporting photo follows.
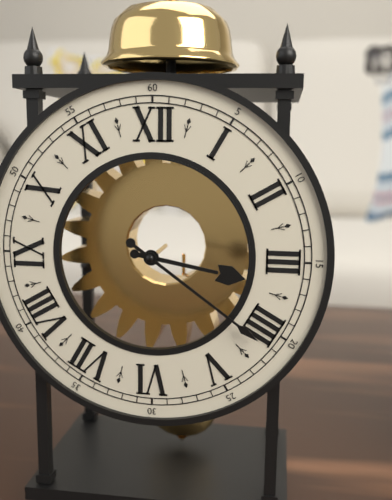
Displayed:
h=3 m=21
